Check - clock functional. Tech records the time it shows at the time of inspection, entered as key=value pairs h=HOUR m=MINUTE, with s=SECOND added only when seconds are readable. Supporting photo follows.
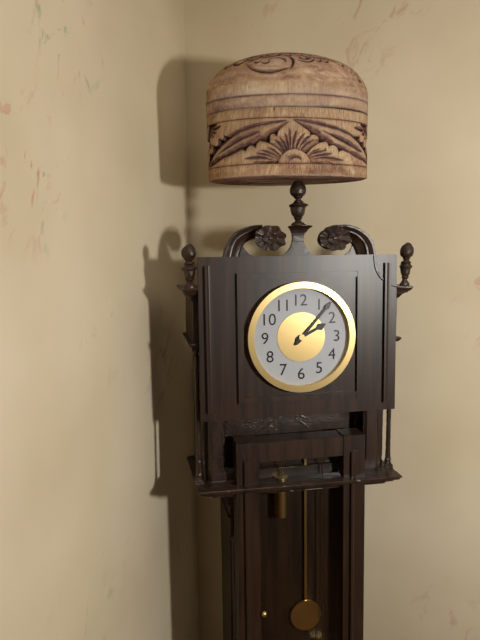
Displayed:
h=2 m=7
